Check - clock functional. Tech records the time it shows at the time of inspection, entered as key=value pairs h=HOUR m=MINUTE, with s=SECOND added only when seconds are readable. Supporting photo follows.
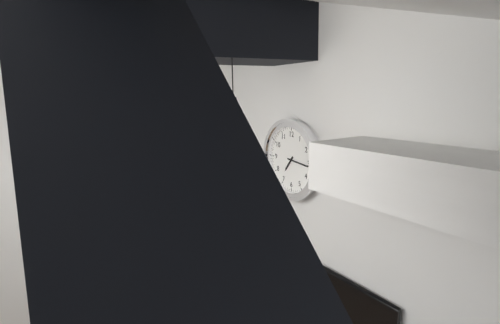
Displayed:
h=7 m=16
